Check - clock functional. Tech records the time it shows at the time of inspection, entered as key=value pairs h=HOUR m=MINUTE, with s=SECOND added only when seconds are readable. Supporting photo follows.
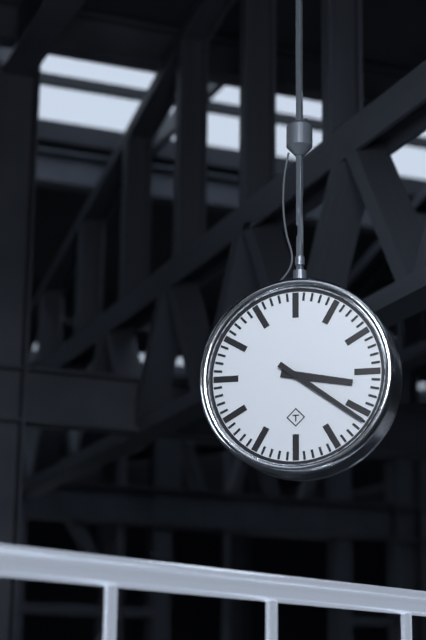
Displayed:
h=3 m=21
